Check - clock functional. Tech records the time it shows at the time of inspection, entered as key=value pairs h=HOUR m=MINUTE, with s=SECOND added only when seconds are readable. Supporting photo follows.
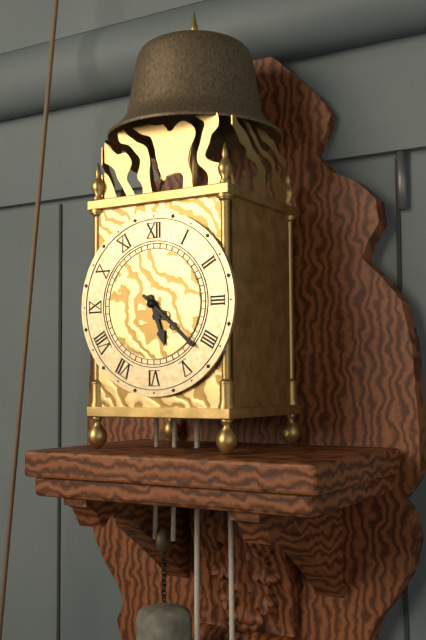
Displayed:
h=5 m=22
